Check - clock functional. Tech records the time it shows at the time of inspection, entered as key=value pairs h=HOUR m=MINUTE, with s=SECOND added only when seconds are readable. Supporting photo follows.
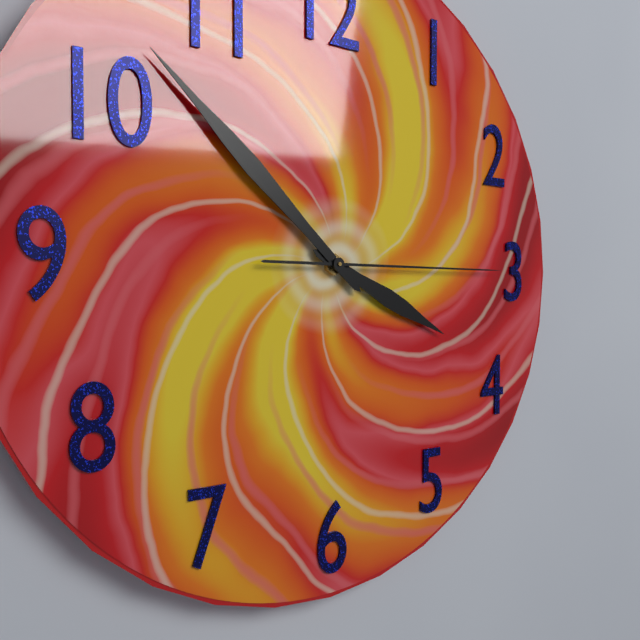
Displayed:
h=3 m=52 s=15
